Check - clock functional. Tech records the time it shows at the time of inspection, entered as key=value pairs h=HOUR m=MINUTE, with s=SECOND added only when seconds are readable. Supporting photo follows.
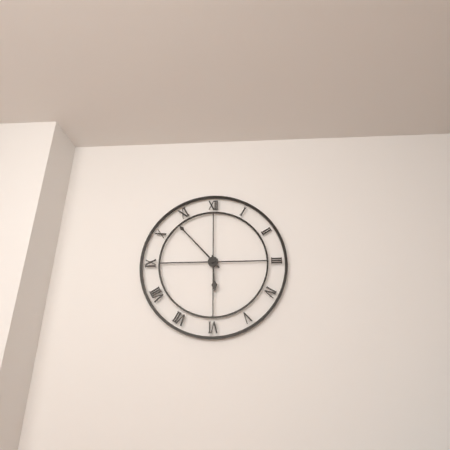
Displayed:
h=5 m=53
